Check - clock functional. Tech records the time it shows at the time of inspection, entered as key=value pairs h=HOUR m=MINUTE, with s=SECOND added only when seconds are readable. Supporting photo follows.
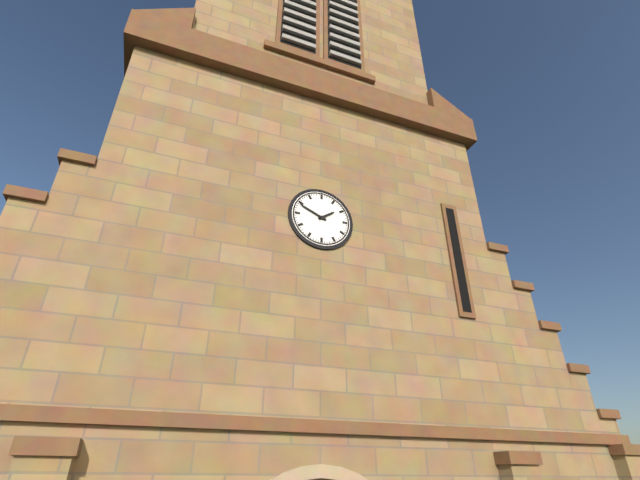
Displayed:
h=1 m=49
